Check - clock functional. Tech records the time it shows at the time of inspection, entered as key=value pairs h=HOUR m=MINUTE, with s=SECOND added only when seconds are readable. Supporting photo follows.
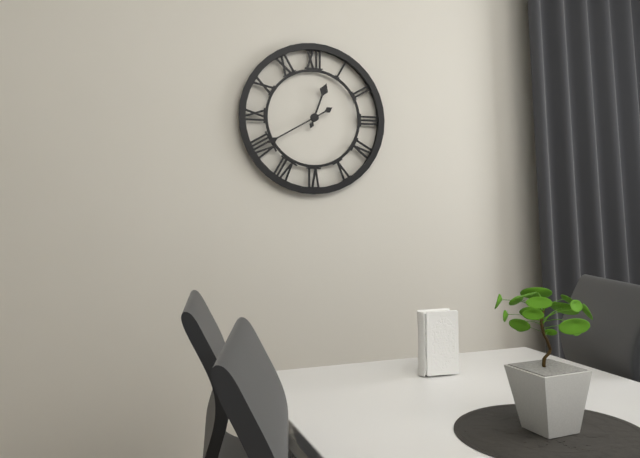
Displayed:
h=12 m=40
